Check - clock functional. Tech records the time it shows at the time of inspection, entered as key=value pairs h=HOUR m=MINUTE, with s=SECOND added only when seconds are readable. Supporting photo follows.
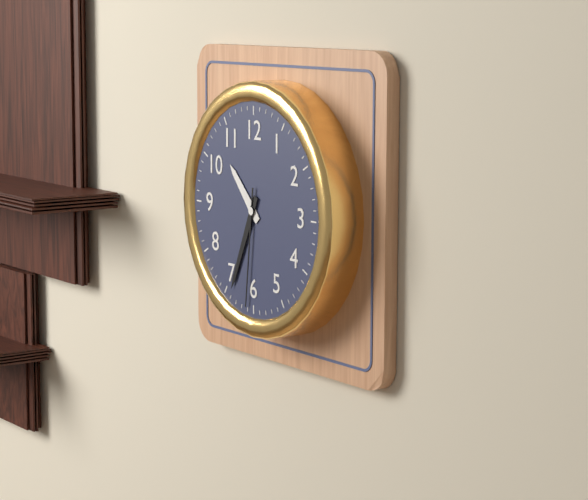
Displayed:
h=10 m=34 s=31
